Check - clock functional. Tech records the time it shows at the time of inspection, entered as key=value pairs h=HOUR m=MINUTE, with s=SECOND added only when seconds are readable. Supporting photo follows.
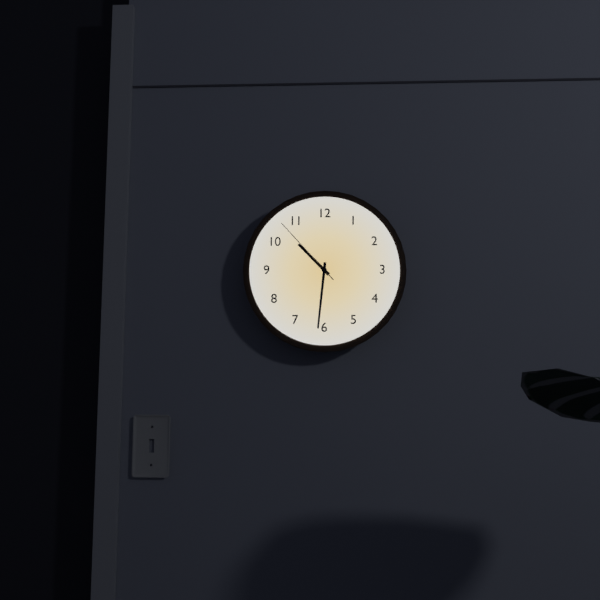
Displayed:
h=10 m=31 s=53
